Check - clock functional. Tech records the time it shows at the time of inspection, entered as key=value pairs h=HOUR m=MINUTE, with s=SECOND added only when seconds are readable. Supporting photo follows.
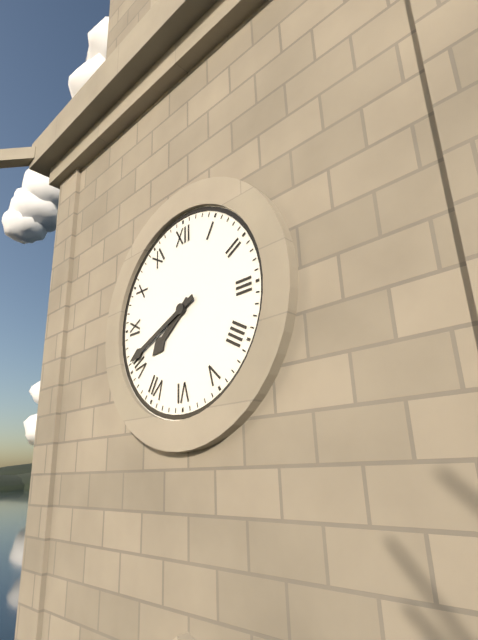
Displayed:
h=7 m=41
